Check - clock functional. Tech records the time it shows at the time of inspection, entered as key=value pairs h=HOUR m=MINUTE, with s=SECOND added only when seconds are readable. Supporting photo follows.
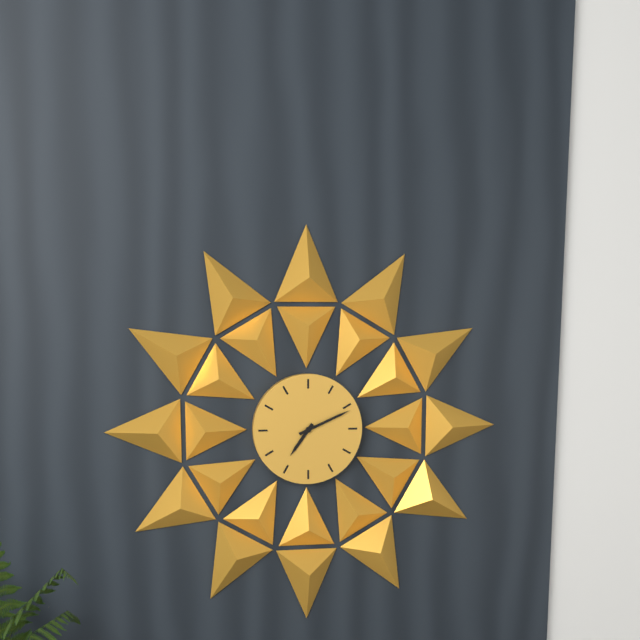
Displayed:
h=7 m=11
